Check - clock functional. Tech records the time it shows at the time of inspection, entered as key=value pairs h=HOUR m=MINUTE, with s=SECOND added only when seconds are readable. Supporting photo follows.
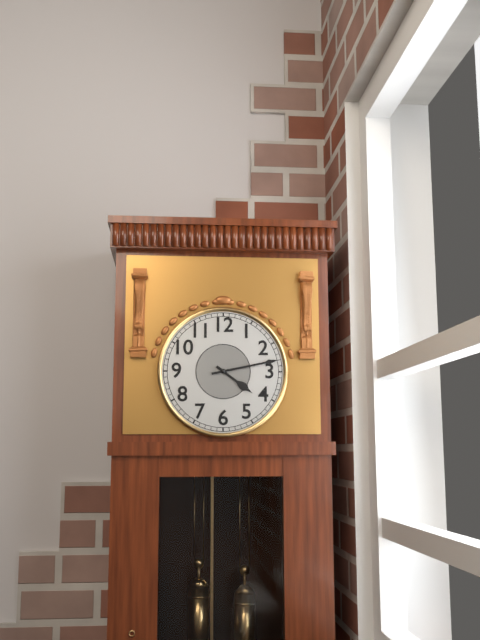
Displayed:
h=4 m=13
